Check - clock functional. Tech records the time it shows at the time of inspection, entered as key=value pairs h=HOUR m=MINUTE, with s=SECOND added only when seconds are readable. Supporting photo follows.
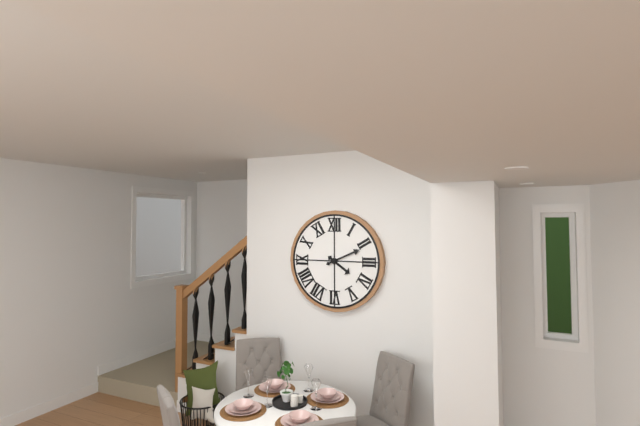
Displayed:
h=4 m=11
